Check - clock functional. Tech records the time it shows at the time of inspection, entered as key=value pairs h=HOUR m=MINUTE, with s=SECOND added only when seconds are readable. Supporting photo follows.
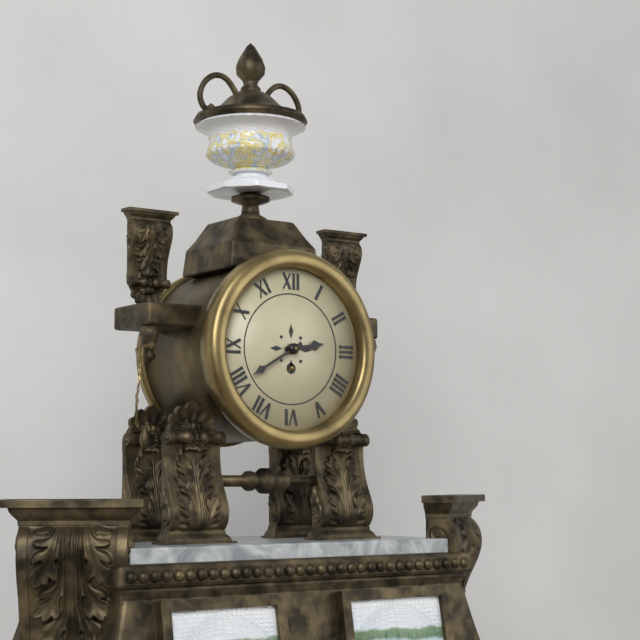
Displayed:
h=2 m=40
